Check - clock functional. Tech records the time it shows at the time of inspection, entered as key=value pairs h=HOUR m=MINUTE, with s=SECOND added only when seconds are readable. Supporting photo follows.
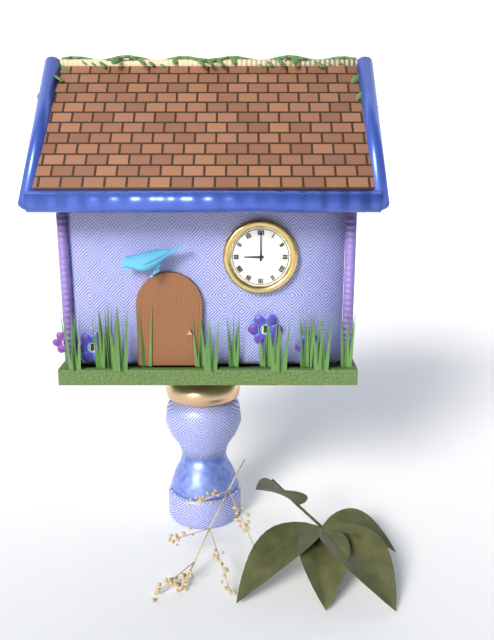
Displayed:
h=9 m=0
